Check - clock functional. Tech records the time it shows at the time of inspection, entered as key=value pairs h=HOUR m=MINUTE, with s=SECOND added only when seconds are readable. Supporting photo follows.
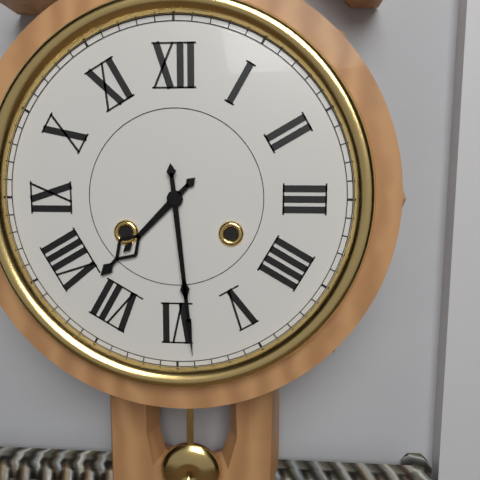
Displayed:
h=7 m=29
